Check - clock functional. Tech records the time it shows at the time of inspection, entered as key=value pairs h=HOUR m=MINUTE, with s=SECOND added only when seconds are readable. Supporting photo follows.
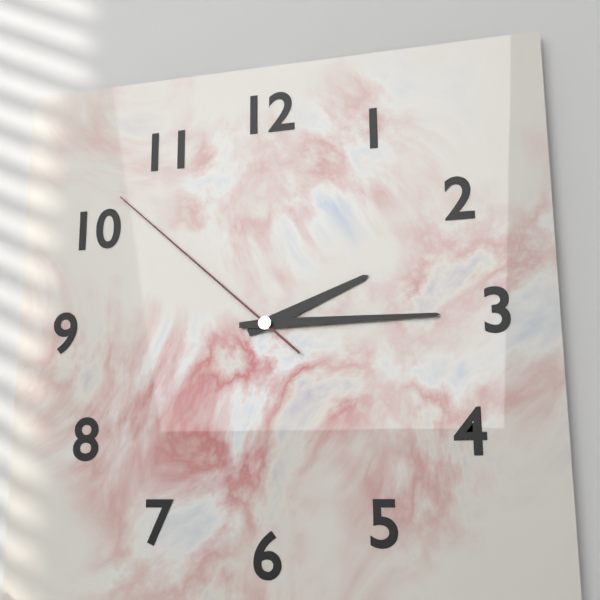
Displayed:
h=2 m=15 s=52
